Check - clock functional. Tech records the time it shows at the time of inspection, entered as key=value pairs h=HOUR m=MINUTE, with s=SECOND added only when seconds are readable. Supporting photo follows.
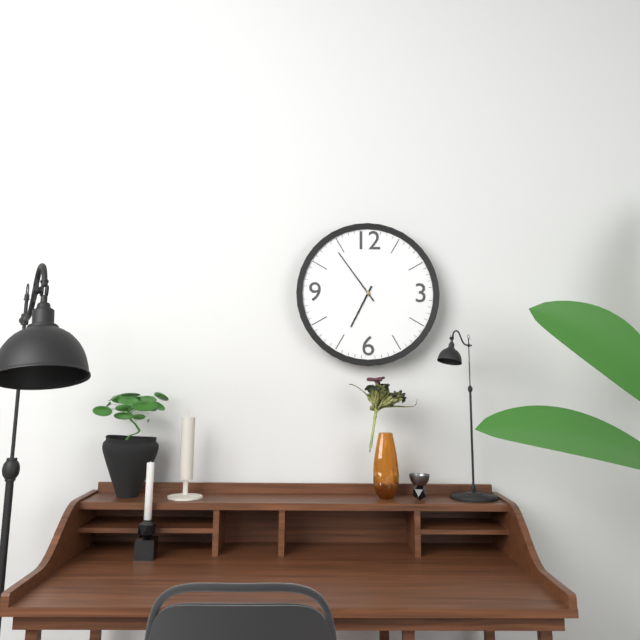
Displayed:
h=6 m=54
